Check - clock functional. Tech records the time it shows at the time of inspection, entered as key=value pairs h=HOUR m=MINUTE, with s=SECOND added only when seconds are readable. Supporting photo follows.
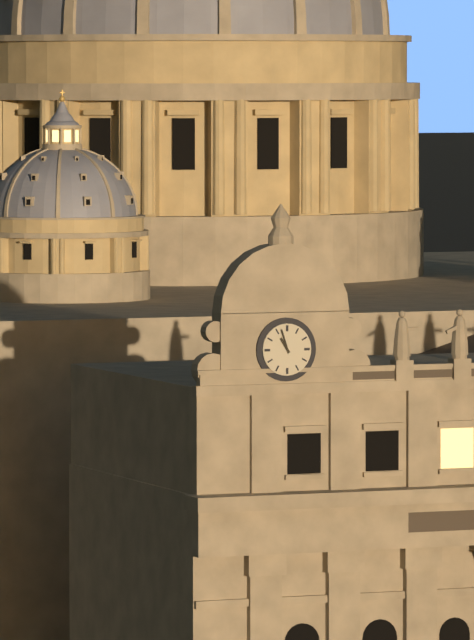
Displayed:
h=10 m=57
